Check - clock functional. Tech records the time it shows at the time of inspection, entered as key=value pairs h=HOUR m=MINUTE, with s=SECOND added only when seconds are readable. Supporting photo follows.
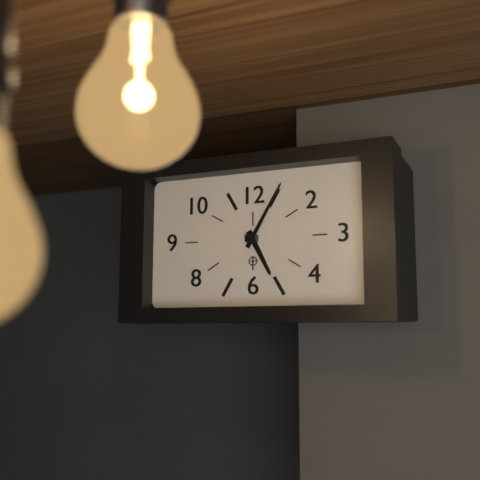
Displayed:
h=5 m=5
